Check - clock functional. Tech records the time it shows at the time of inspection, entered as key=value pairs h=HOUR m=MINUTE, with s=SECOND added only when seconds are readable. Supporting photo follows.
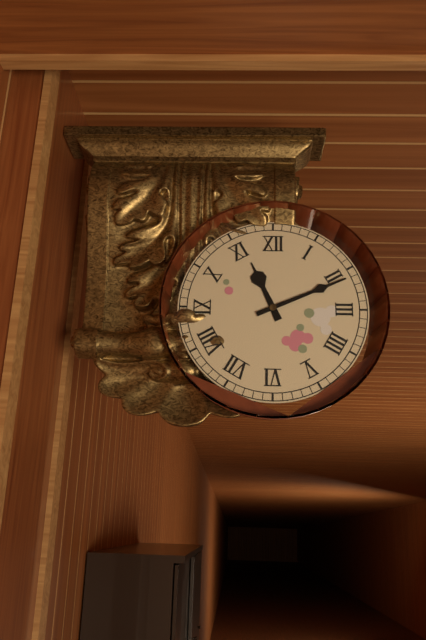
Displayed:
h=11 m=11
